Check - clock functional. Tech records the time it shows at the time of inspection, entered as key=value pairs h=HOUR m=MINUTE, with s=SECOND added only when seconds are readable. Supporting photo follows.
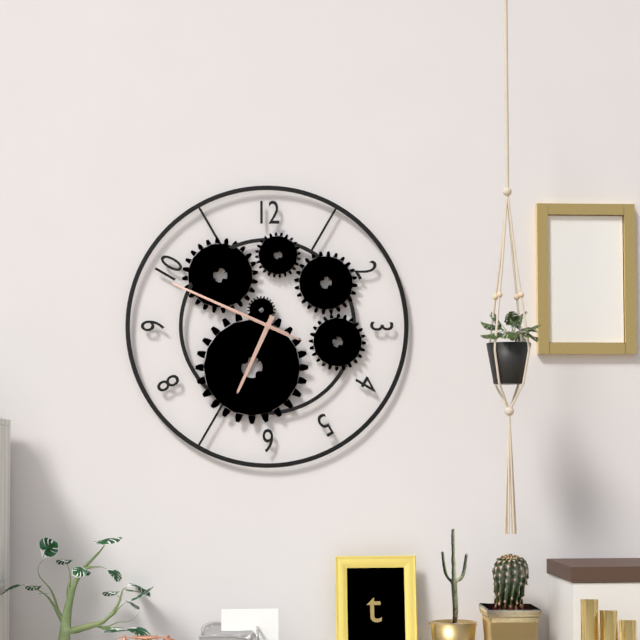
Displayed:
h=6 m=49 s=49
